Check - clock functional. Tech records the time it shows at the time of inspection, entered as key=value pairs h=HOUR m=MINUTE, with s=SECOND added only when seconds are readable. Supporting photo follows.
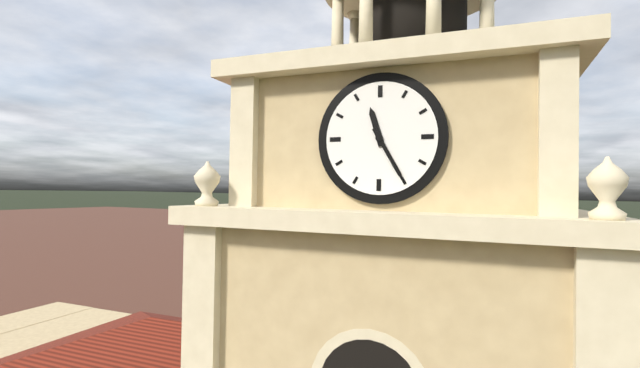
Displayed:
h=11 m=25
